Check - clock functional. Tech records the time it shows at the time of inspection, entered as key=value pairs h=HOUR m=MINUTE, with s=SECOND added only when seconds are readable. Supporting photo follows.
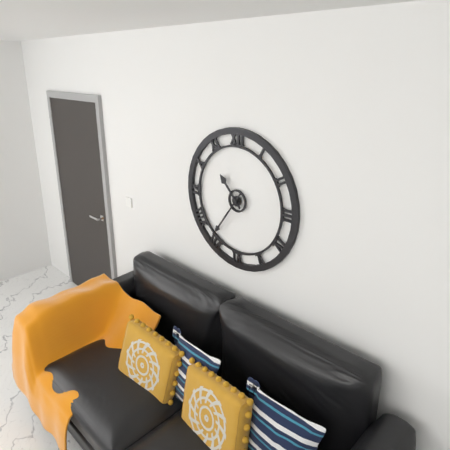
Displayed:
h=10 m=36
